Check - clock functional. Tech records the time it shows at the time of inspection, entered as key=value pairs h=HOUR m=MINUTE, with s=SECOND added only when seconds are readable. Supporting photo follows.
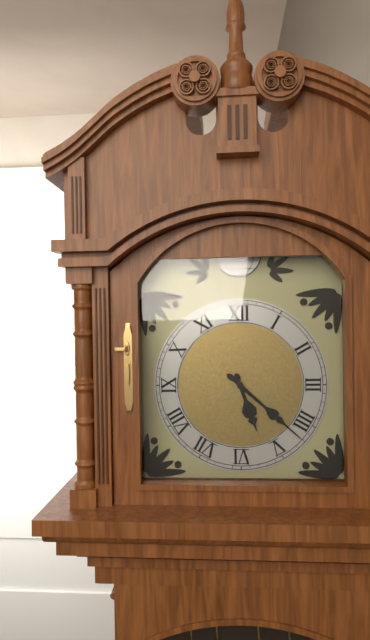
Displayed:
h=5 m=22
